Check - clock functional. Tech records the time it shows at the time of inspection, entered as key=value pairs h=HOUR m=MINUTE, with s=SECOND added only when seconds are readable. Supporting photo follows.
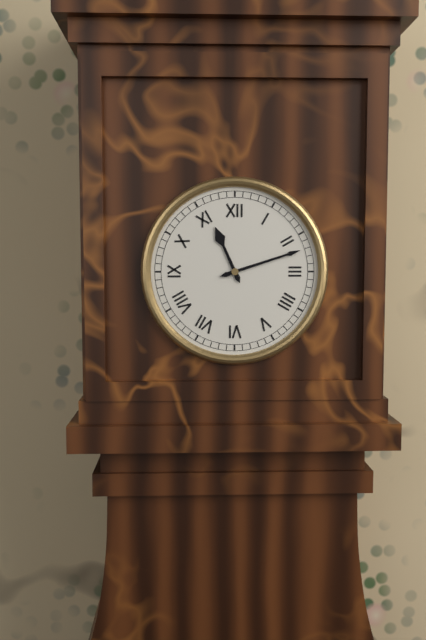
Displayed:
h=11 m=12
